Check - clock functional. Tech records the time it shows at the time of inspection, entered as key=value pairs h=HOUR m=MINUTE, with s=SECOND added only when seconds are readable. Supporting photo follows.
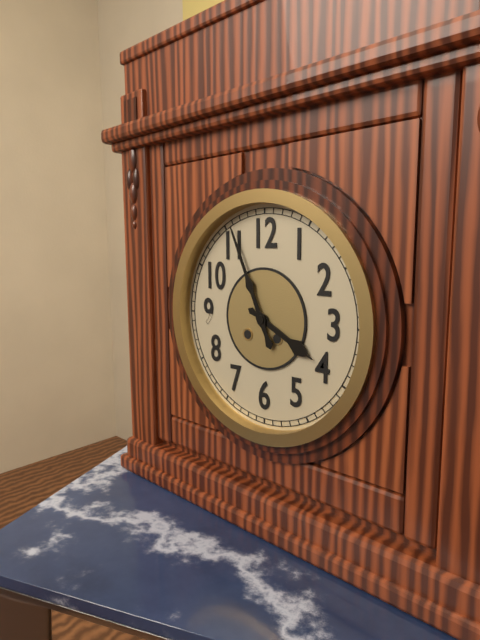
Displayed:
h=3 m=56
